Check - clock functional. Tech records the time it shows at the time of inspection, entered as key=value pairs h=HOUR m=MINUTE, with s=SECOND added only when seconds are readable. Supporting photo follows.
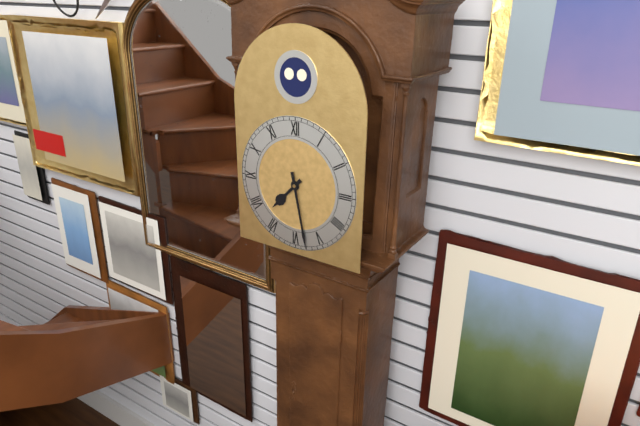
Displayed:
h=7 m=28
